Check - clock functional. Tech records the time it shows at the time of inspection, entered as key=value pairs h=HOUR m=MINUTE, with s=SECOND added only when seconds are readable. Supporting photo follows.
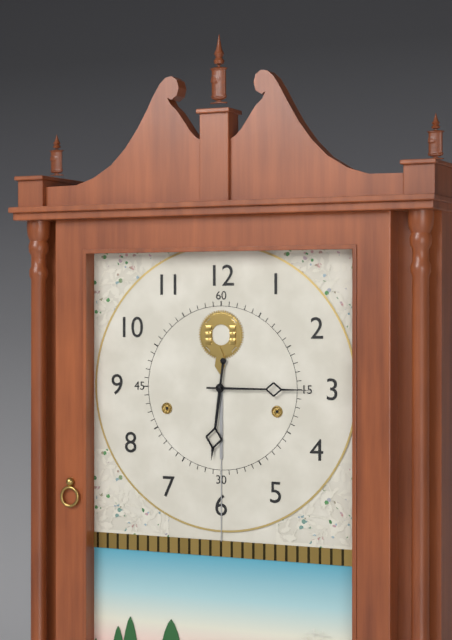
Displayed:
h=6 m=15
